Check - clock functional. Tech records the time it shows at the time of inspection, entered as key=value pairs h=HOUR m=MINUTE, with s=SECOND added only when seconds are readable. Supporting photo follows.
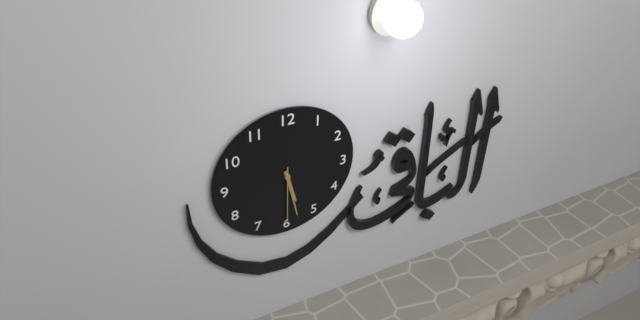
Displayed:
h=5 m=28 s=30
